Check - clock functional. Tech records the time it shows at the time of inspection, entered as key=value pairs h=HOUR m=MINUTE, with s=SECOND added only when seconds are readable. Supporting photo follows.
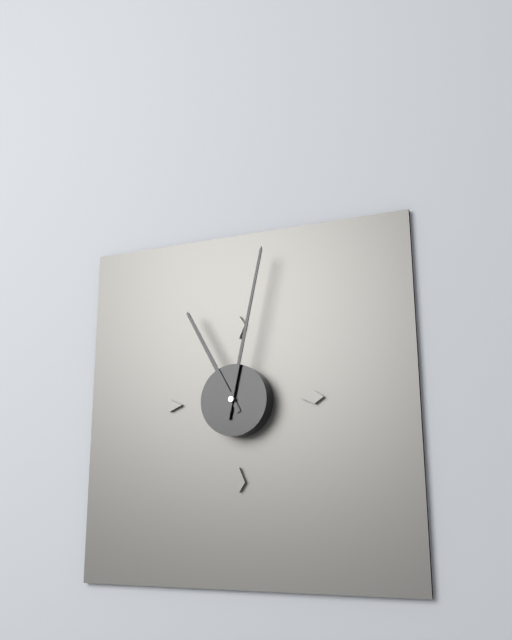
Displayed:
h=11 m=2
